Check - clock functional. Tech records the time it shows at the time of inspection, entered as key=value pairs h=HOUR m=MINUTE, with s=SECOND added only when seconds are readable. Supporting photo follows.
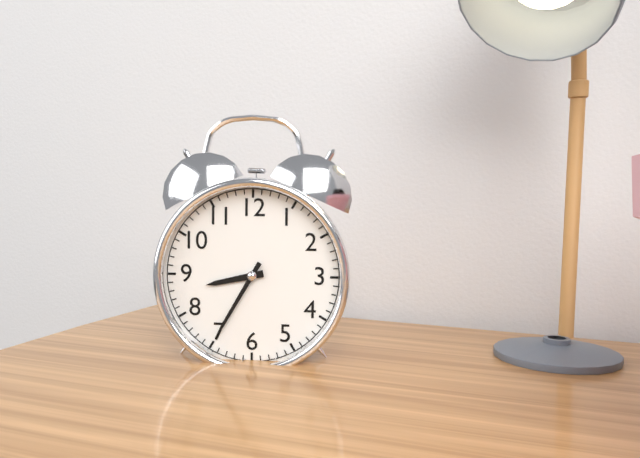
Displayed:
h=8 m=35
